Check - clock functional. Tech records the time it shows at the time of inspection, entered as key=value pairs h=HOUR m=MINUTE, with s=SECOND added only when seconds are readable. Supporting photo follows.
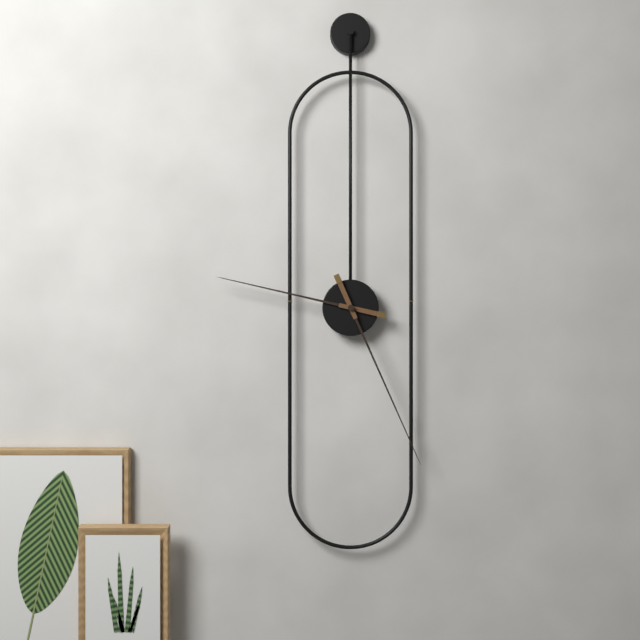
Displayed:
h=9 m=26
